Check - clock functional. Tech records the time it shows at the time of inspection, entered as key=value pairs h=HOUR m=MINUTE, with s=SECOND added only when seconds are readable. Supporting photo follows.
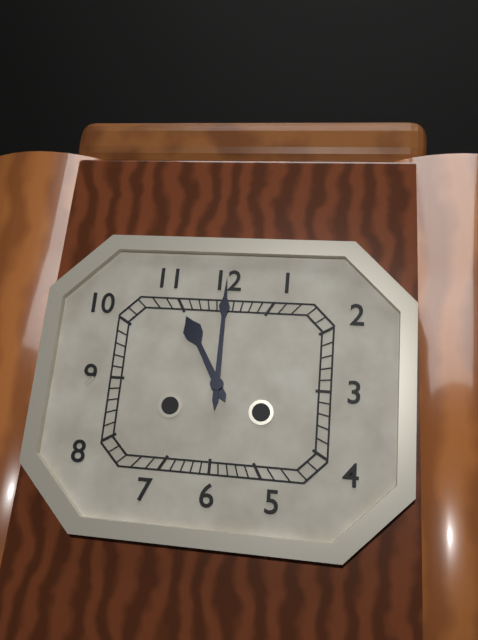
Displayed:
h=11 m=0
